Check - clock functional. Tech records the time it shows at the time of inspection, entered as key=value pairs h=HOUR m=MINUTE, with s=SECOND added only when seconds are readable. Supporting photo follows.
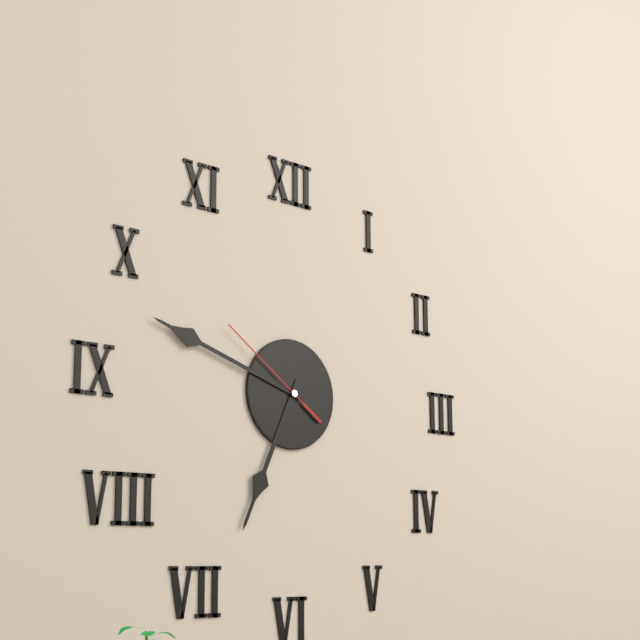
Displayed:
h=6 m=48 s=51
